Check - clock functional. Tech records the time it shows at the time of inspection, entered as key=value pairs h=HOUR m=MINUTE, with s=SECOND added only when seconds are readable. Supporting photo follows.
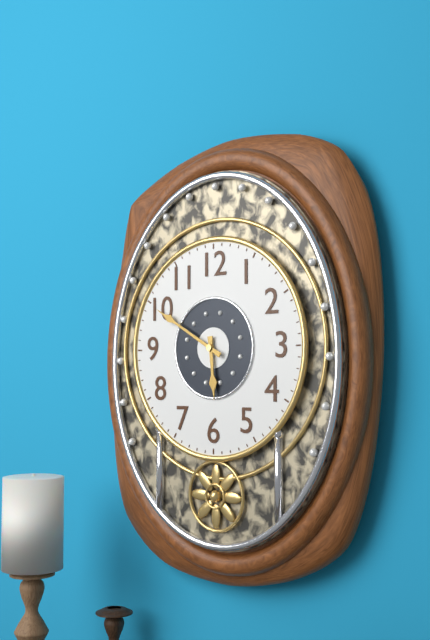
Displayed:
h=5 m=50
